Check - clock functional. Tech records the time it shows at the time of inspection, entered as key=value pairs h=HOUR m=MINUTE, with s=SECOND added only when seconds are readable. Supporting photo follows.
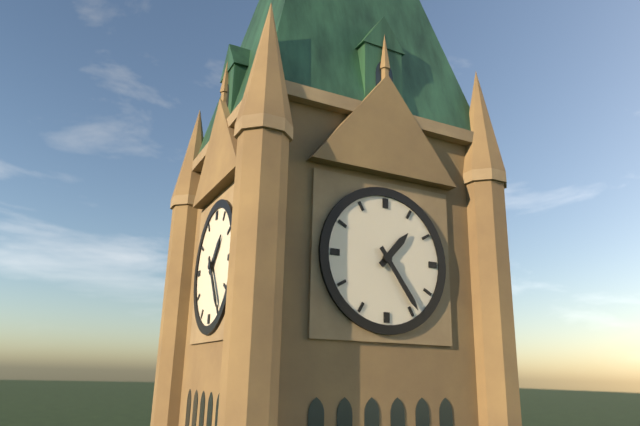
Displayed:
h=1 m=24
